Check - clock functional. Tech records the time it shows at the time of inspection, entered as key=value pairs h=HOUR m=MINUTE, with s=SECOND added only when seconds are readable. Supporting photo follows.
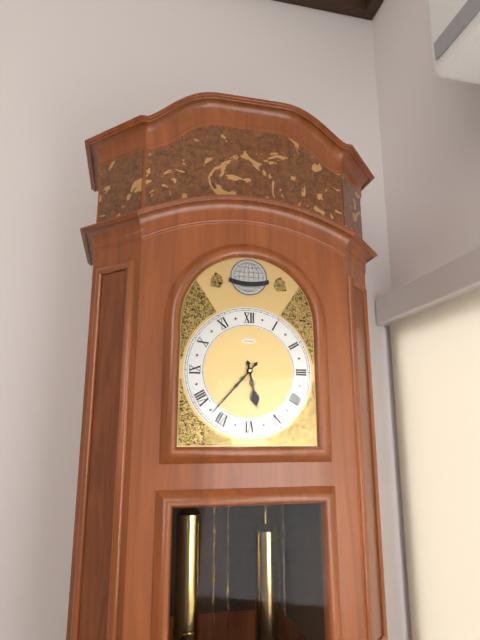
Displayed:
h=5 m=37
